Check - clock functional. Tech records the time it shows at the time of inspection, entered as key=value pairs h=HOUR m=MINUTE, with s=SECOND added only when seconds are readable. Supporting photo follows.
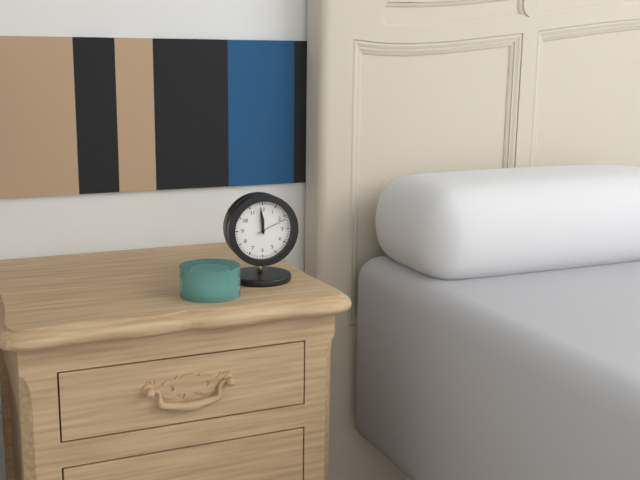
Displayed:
h=11 m=59
